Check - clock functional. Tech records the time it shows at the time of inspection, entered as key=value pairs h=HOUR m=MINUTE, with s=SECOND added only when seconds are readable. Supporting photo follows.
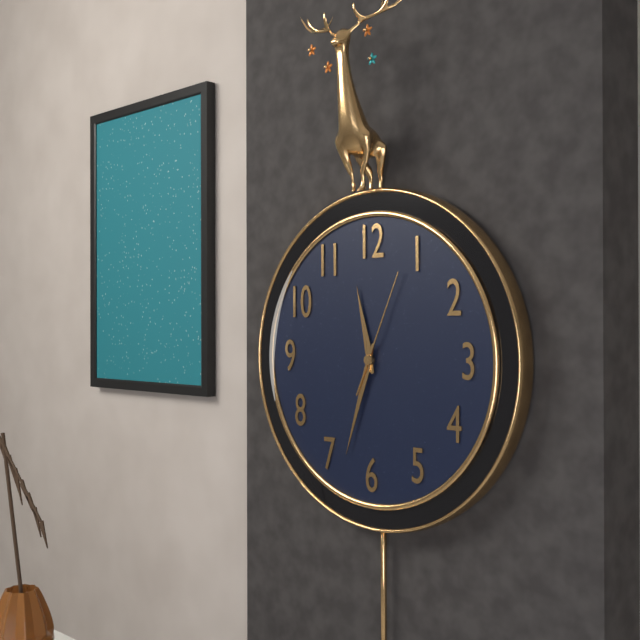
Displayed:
h=11 m=33 s=4
